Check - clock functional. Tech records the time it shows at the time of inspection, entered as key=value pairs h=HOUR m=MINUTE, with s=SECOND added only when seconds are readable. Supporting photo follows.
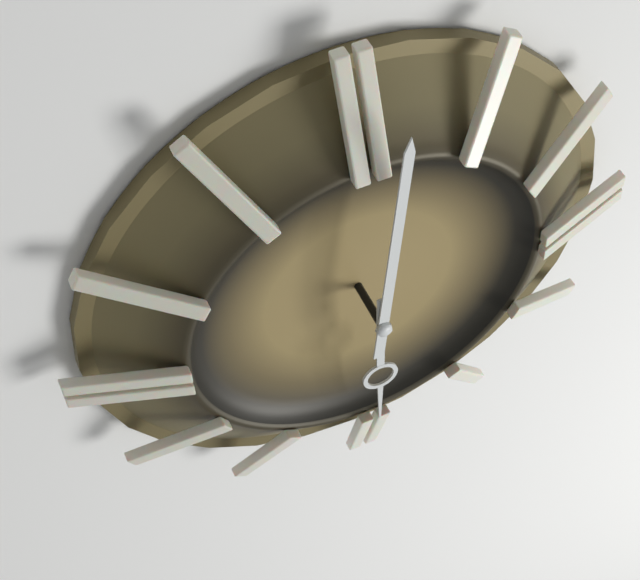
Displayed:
h=6 m=1
